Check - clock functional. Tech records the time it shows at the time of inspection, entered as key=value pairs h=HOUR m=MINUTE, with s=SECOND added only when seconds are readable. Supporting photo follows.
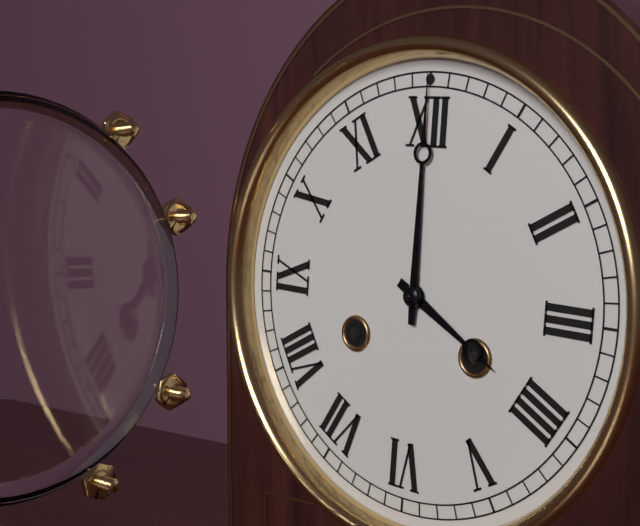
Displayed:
h=4 m=0
